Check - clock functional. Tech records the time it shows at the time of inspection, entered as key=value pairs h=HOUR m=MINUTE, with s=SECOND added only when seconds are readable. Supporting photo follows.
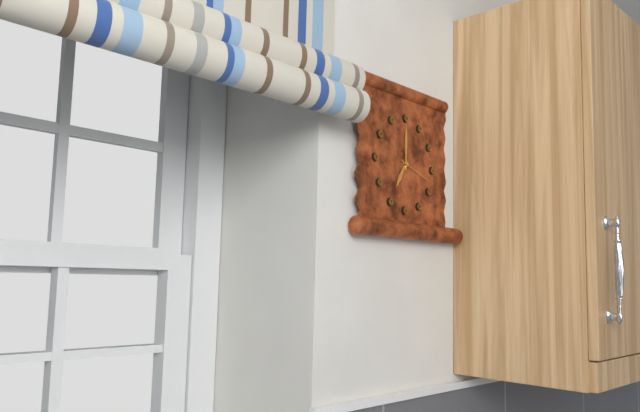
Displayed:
h=7 m=0
